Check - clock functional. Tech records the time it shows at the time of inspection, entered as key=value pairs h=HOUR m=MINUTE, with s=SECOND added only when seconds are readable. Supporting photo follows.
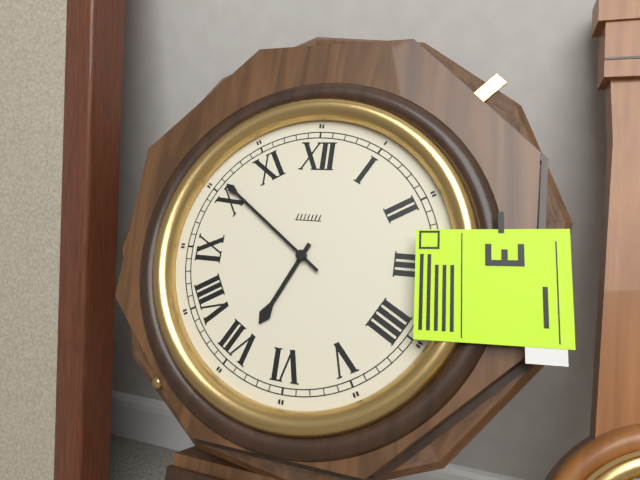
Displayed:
h=6 m=51
